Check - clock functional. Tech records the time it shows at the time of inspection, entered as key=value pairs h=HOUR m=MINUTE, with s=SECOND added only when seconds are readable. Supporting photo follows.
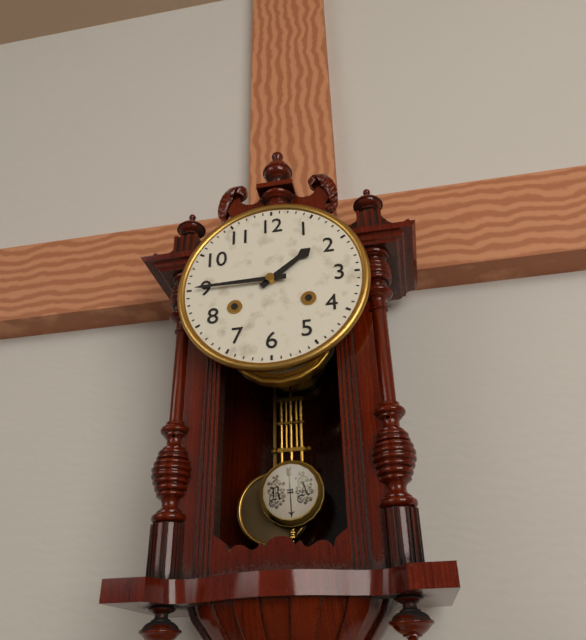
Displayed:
h=1 m=45
